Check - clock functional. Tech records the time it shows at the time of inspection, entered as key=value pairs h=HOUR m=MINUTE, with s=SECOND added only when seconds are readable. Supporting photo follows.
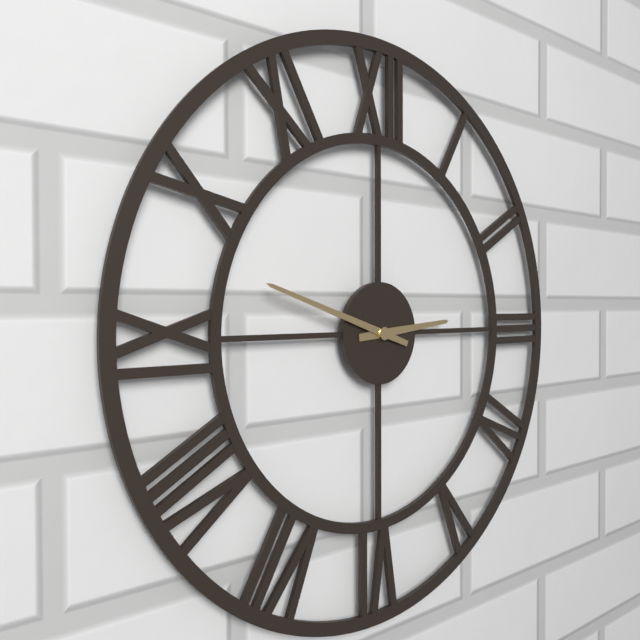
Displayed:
h=2 m=48
